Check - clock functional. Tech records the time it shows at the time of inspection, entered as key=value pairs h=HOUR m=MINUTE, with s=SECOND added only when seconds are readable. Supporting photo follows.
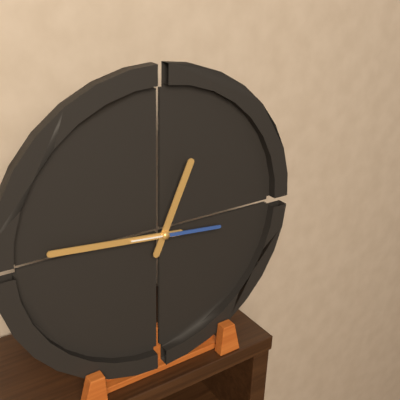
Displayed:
h=12 m=46 s=16
